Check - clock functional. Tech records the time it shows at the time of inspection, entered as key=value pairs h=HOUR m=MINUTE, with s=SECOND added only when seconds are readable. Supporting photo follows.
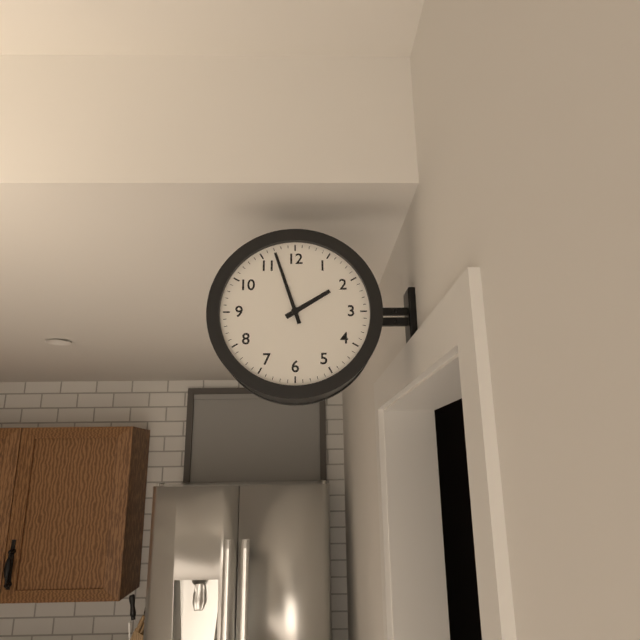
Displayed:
h=1 m=57
